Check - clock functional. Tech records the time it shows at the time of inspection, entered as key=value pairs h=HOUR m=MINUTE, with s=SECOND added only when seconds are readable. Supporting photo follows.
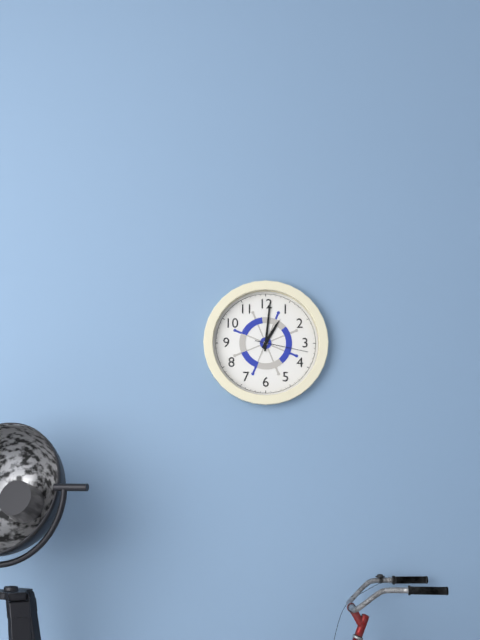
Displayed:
h=1 m=1 s=17
